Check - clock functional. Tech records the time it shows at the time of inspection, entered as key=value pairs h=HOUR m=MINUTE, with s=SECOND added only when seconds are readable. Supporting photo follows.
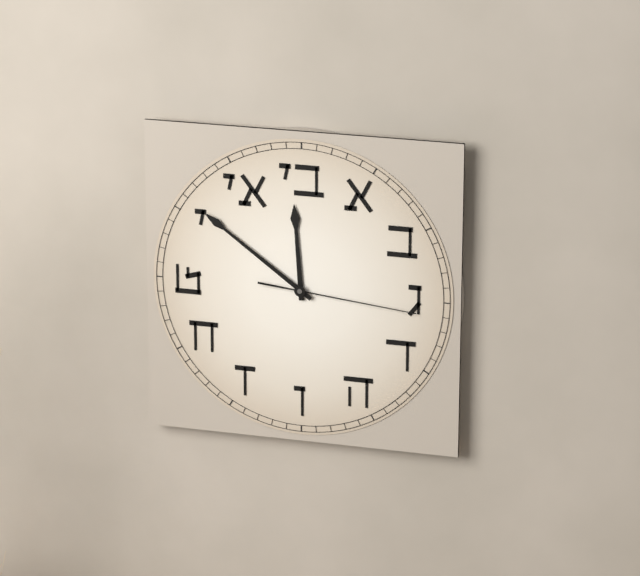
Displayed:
h=11 m=51 s=16
